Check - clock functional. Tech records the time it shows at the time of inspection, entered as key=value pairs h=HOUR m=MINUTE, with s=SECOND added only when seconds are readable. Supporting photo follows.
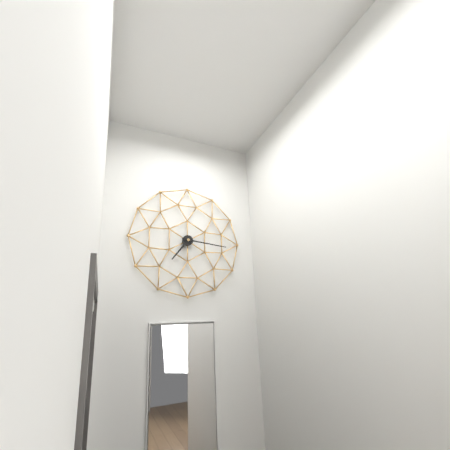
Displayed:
h=7 m=16
